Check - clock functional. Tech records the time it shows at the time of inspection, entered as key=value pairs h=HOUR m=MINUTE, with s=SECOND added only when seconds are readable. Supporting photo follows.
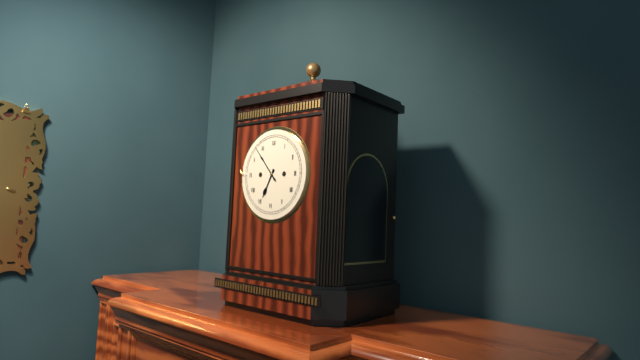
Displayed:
h=6 m=53
